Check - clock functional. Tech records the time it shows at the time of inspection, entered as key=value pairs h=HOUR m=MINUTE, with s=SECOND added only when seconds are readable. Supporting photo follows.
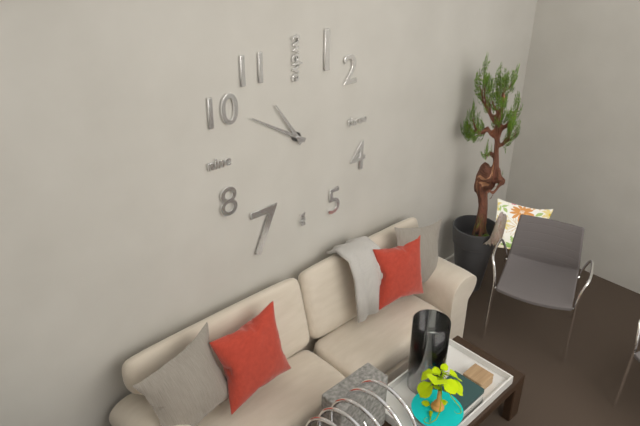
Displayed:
h=10 m=50
